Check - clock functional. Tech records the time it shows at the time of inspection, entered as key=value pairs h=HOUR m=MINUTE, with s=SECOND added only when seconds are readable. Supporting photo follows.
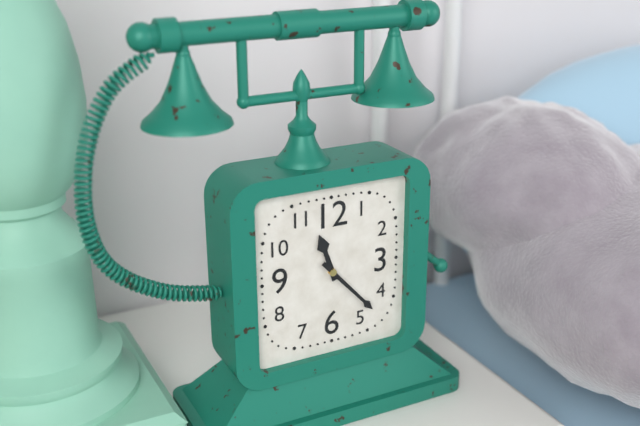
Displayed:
h=11 m=23
